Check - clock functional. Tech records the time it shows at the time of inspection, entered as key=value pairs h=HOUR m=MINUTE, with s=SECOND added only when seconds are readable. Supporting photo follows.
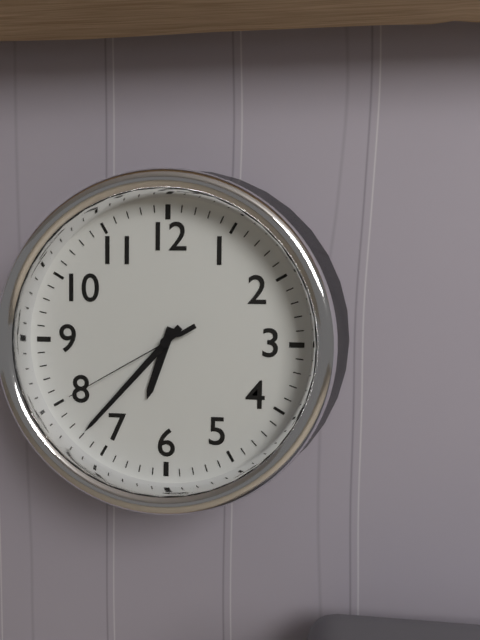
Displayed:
h=6 m=37 s=40
